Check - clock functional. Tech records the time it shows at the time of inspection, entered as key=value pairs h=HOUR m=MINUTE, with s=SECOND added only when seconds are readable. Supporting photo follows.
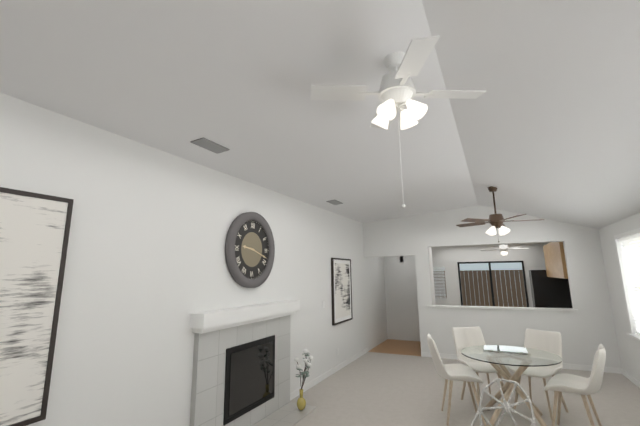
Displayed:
h=9 m=18
